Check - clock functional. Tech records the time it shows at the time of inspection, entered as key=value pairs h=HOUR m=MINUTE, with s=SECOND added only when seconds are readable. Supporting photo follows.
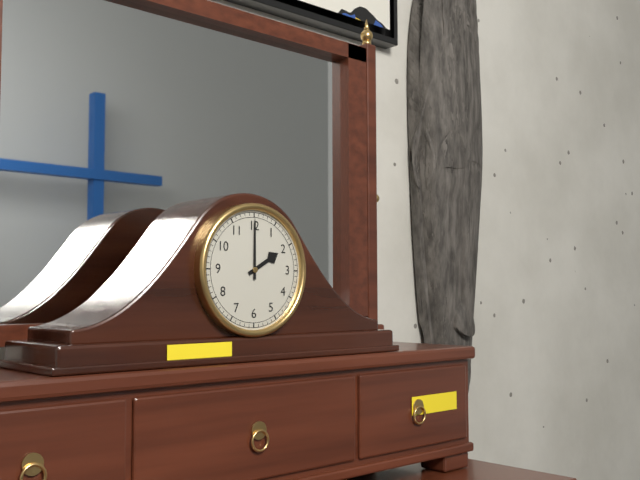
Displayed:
h=2 m=0
